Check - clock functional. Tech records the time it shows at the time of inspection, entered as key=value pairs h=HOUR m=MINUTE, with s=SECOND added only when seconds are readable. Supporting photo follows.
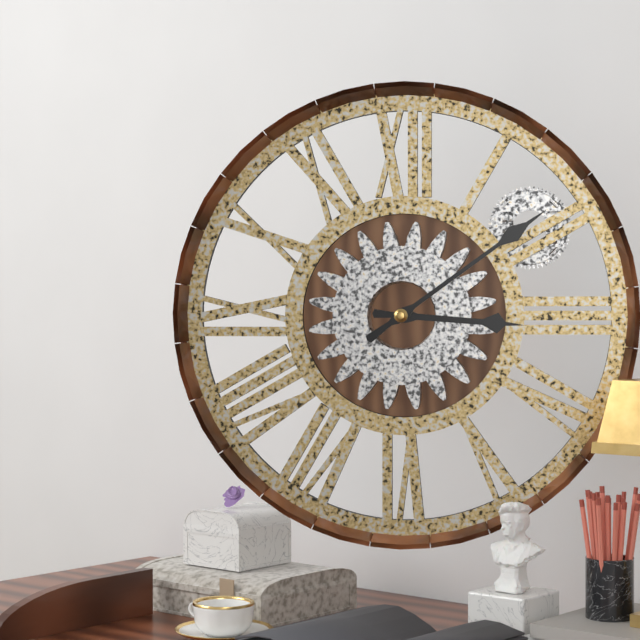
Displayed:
h=3 m=9
